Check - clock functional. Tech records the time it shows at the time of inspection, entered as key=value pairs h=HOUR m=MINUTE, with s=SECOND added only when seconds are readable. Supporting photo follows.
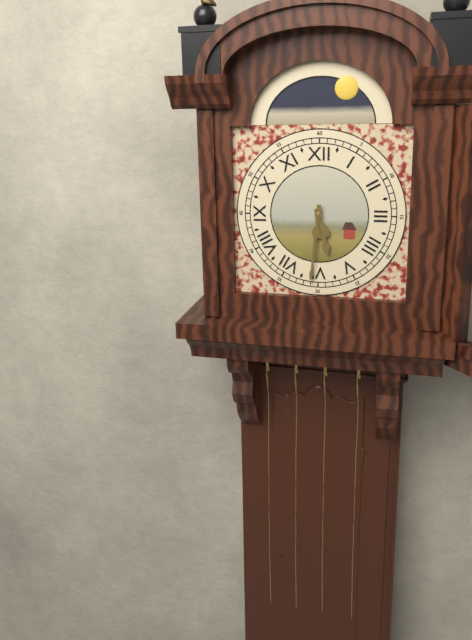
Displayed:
h=5 m=31
